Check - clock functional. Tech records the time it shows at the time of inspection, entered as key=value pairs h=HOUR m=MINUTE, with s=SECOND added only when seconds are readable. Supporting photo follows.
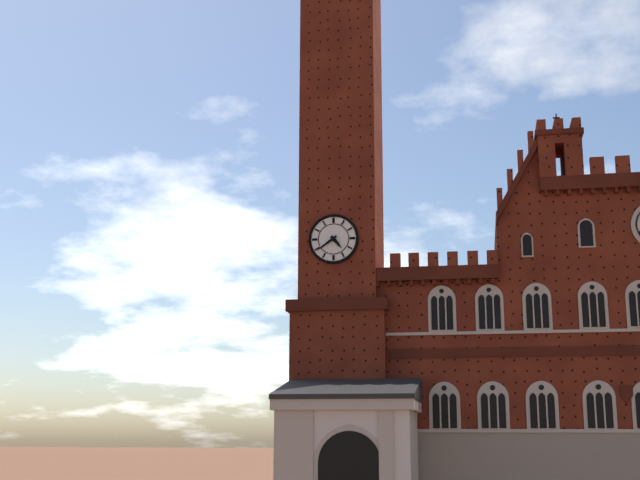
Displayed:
h=4 m=39
